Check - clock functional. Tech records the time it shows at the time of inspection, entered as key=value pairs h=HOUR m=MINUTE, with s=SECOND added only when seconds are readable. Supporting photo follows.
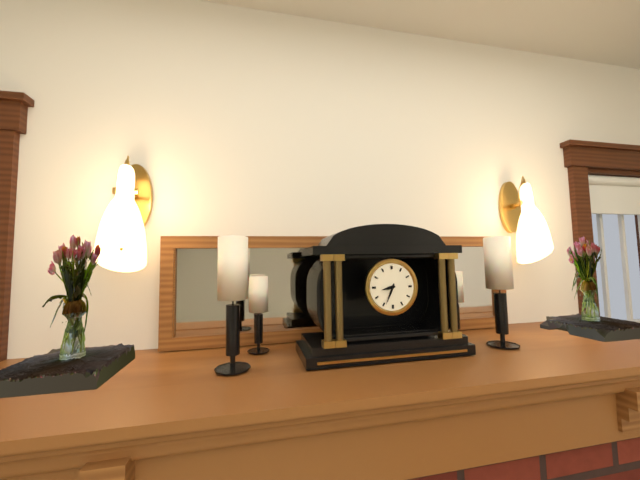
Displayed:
h=8 m=34
